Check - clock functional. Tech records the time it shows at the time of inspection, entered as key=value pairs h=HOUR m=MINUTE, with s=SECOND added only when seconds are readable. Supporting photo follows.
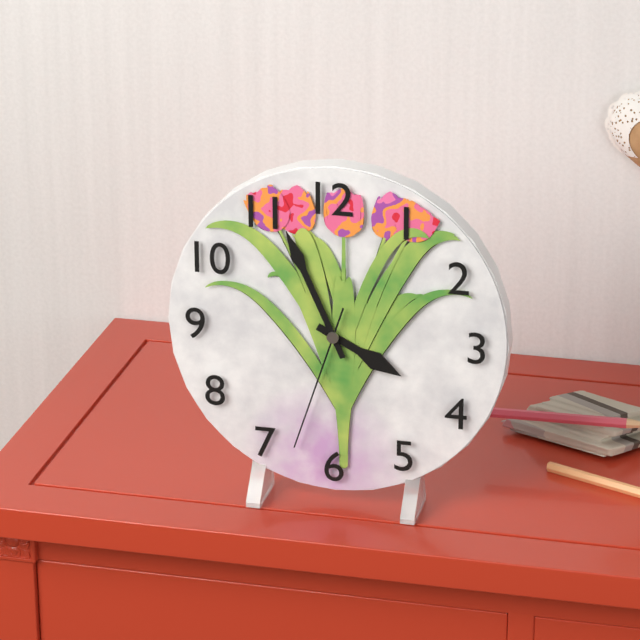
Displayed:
h=3 m=56 s=33
